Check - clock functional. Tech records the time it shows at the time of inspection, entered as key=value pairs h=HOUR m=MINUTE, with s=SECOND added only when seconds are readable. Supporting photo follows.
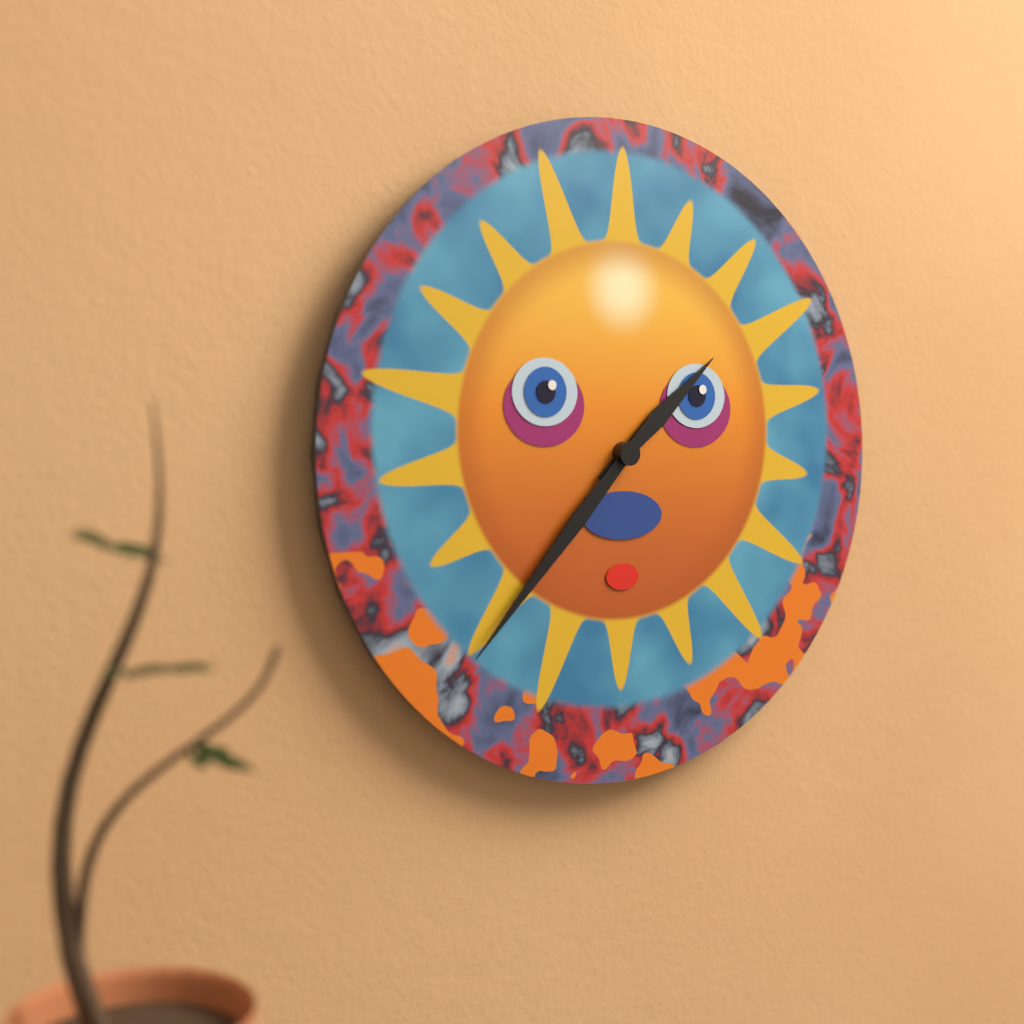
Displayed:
h=1 m=37
